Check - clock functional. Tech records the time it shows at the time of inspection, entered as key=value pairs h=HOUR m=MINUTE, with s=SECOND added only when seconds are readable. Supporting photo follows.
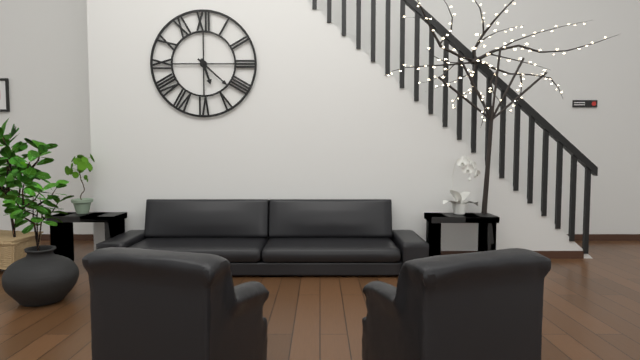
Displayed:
h=5 m=22
